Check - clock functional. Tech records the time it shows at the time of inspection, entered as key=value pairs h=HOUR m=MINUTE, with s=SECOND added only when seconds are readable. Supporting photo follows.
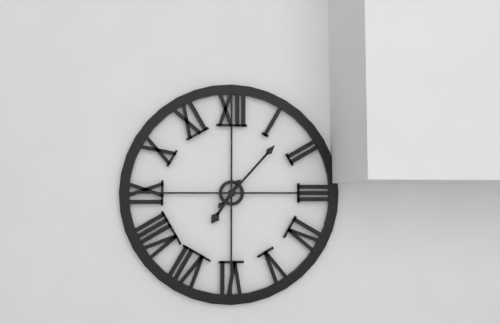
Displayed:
h=7 m=7
